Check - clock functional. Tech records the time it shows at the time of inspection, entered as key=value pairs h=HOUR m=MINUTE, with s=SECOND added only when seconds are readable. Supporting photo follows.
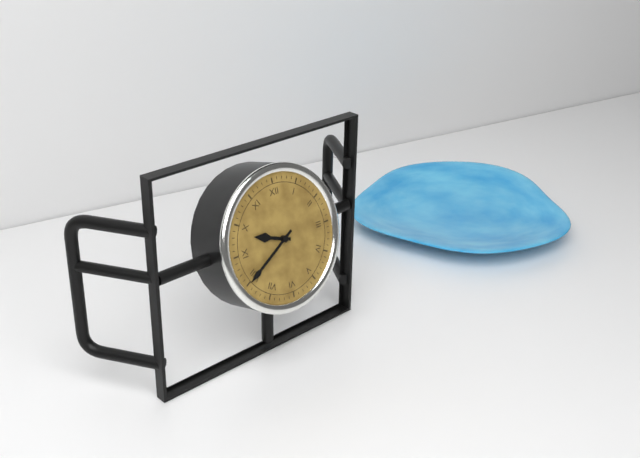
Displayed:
h=9 m=40
